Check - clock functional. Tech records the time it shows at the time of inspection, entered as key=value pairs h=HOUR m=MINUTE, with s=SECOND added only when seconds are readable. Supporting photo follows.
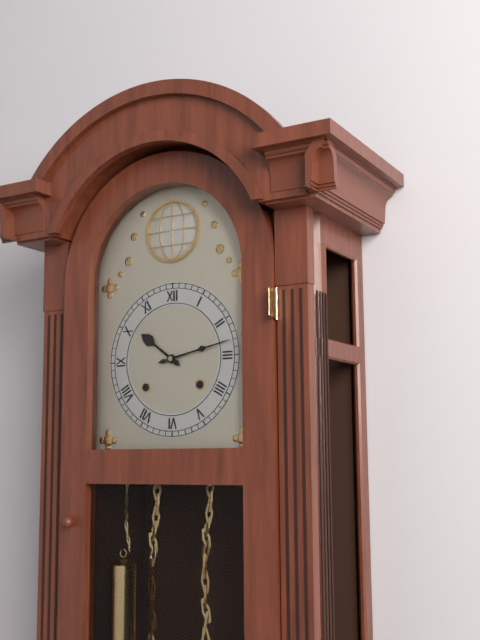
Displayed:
h=10 m=13
